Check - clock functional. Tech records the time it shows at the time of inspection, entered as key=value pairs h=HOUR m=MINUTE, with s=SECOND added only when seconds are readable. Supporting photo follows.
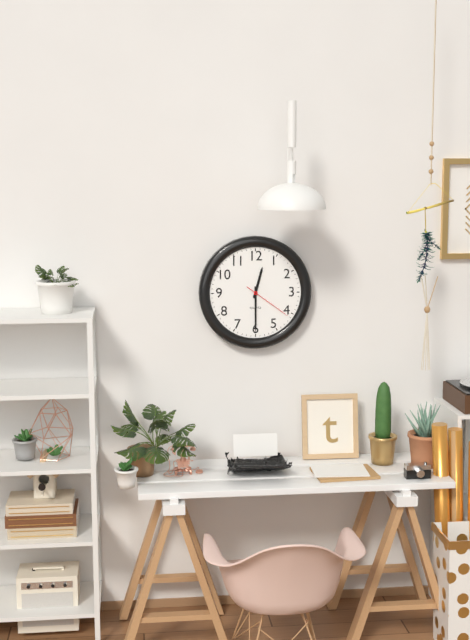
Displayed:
h=12 m=30 s=21
